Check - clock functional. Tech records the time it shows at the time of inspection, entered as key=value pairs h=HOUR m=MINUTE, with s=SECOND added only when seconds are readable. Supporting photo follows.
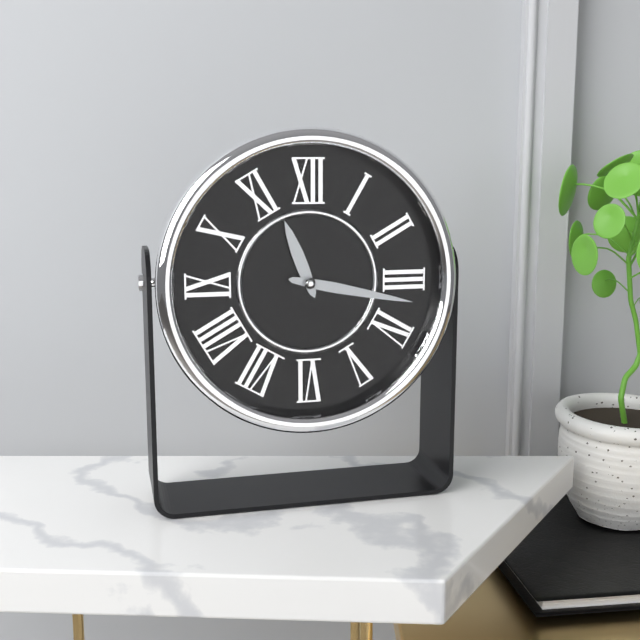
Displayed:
h=11 m=17
